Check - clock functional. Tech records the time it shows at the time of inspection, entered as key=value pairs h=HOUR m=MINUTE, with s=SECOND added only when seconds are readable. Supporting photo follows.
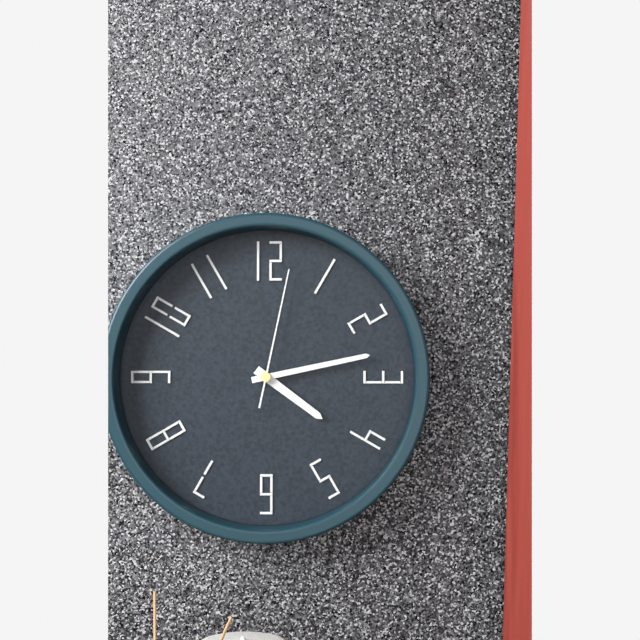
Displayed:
h=4 m=13 s=2
